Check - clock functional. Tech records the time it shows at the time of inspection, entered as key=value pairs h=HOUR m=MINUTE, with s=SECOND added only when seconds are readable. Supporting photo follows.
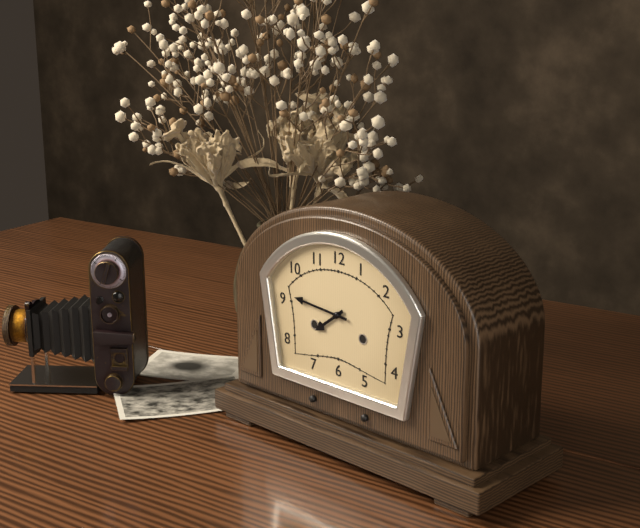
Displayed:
h=7 m=46
